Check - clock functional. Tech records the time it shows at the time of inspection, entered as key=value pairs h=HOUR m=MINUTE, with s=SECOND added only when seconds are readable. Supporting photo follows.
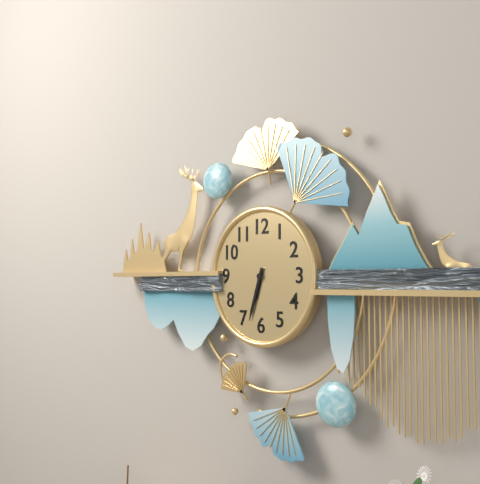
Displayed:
h=6 m=33
